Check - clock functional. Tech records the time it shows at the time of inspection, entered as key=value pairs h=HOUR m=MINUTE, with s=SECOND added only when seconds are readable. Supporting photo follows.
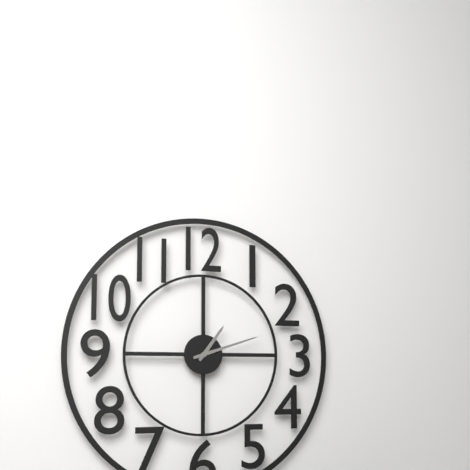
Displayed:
h=1 m=12
